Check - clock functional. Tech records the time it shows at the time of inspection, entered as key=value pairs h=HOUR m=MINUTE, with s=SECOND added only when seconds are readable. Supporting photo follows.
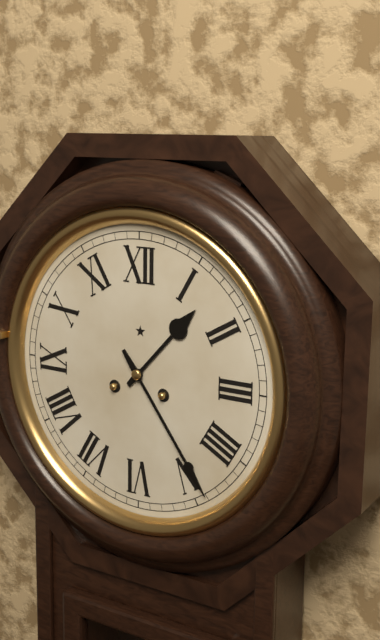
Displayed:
h=1 m=24
